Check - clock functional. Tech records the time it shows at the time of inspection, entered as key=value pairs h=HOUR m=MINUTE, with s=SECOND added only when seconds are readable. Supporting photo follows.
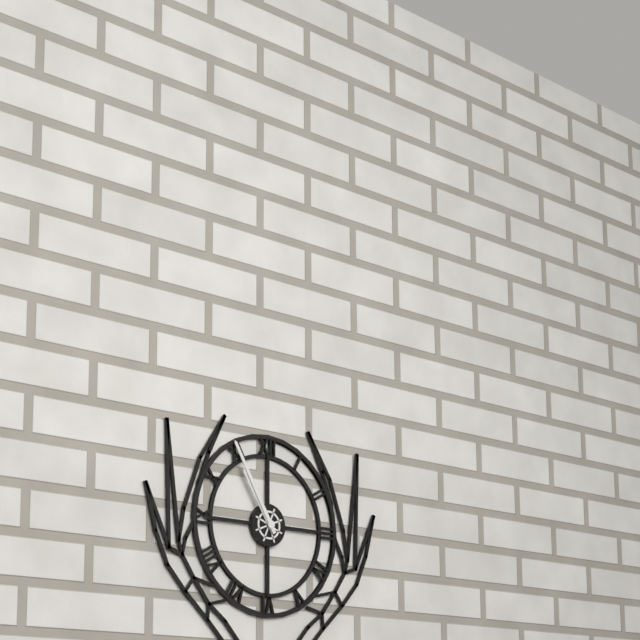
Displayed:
h=10 m=55
